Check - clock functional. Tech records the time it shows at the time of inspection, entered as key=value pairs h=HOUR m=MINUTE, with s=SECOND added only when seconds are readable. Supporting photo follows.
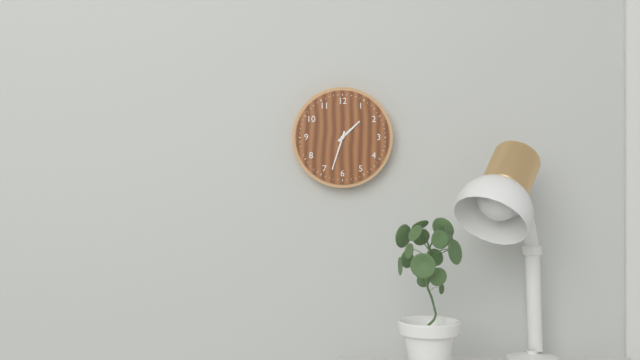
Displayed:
h=1 m=33
